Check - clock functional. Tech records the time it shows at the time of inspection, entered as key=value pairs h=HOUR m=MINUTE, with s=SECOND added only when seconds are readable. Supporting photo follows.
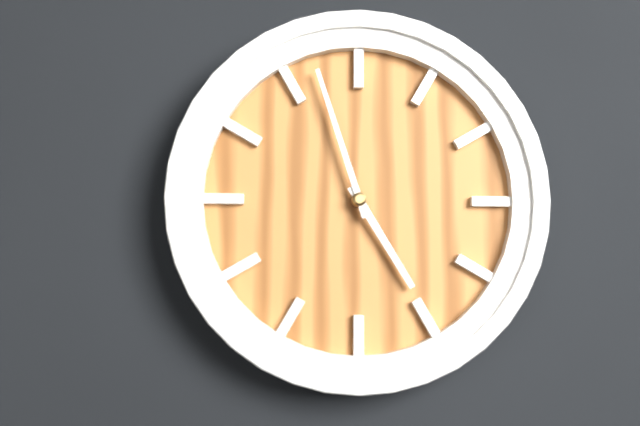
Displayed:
h=4 m=57
